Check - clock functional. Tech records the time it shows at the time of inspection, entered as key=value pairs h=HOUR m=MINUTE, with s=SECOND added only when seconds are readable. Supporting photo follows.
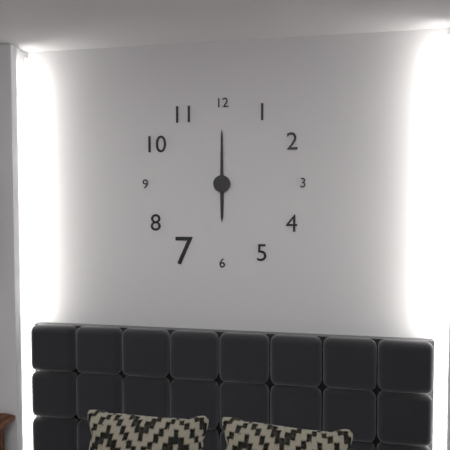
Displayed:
h=6 m=0
